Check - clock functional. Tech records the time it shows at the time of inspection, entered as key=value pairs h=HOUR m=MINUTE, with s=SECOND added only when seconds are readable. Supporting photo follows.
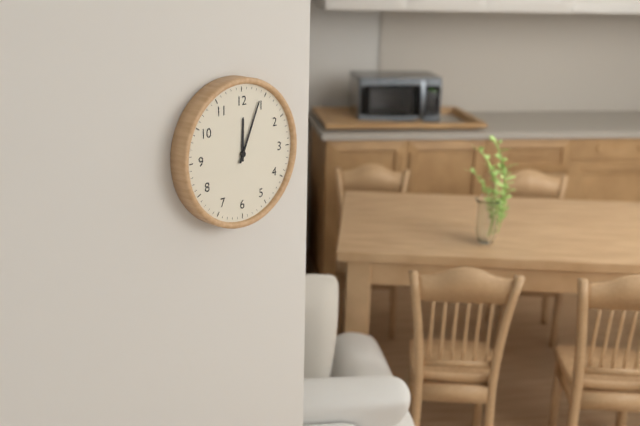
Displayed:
h=12 m=4
